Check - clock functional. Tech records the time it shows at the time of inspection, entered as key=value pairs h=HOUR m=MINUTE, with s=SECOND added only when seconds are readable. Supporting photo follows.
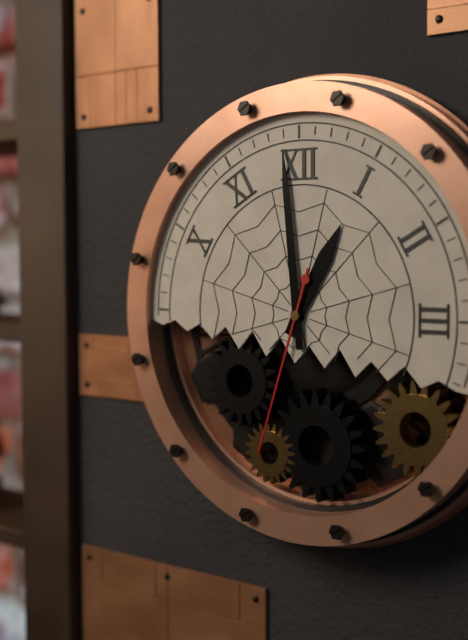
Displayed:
h=12 m=59 s=33
